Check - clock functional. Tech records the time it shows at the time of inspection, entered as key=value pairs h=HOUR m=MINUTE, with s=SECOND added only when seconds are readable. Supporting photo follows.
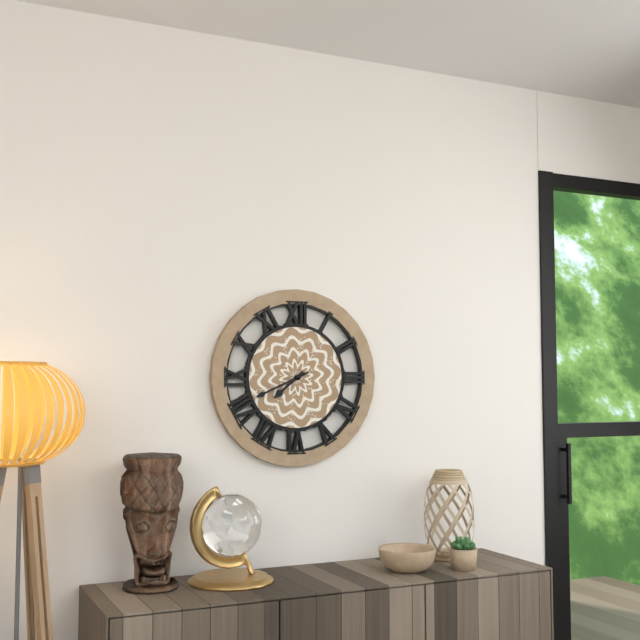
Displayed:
h=7 m=41
